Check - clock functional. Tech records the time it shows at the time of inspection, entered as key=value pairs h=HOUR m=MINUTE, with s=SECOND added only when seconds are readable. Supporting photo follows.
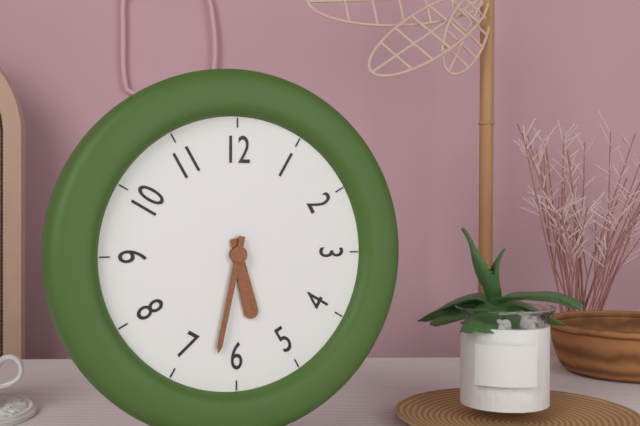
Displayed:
h=5 m=32
